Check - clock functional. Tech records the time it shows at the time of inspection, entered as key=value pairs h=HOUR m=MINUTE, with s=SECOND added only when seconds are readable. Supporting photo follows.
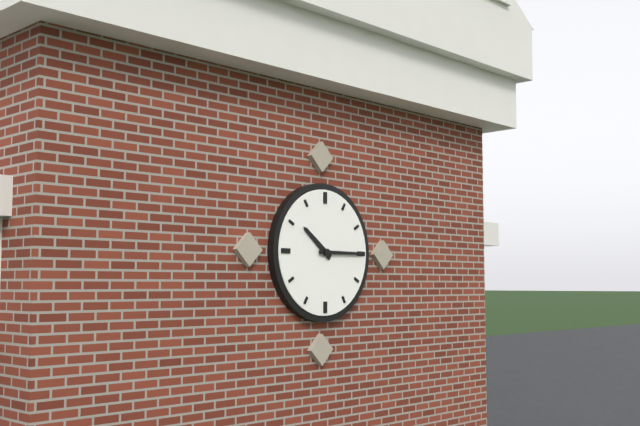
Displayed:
h=10 m=15
